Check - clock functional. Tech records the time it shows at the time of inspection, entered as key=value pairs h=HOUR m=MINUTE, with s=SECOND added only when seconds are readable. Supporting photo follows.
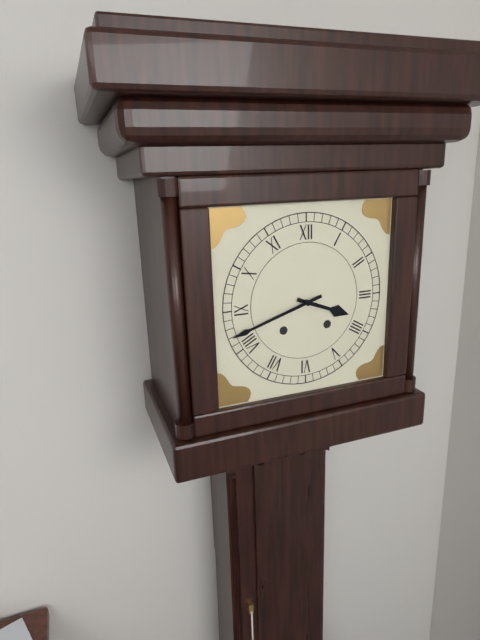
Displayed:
h=3 m=42
